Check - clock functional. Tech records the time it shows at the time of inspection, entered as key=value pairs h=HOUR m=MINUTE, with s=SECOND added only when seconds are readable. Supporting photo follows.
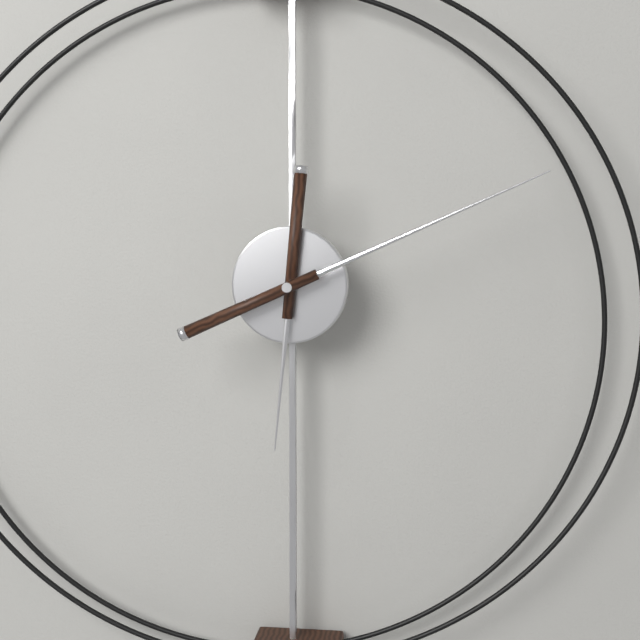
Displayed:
h=6 m=11
